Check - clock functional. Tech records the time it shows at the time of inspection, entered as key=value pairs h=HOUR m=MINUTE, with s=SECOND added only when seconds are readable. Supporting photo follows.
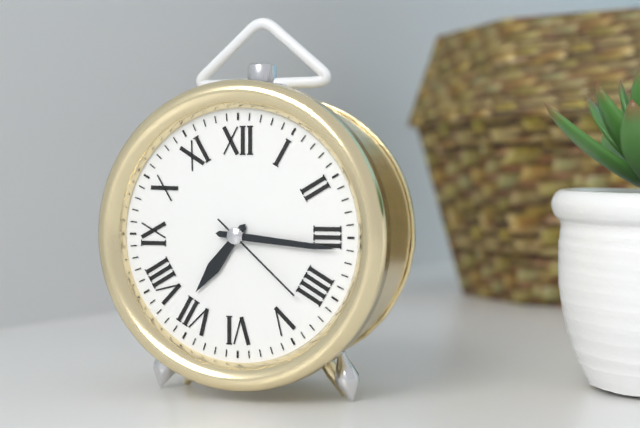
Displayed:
h=7 m=16 s=22
